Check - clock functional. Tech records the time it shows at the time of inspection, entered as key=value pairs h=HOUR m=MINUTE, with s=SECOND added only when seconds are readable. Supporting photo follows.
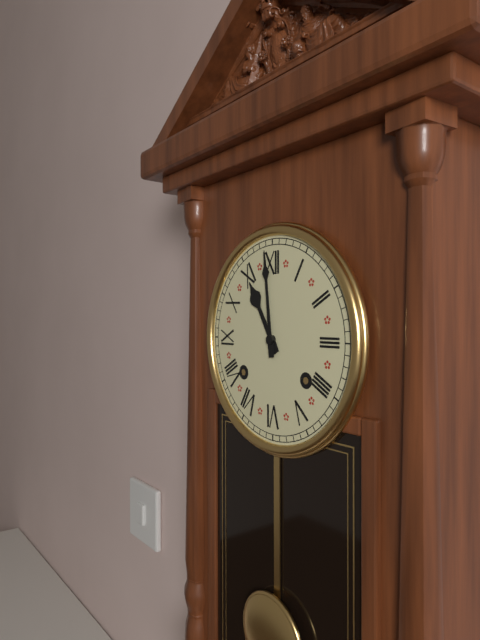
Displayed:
h=10 m=59
